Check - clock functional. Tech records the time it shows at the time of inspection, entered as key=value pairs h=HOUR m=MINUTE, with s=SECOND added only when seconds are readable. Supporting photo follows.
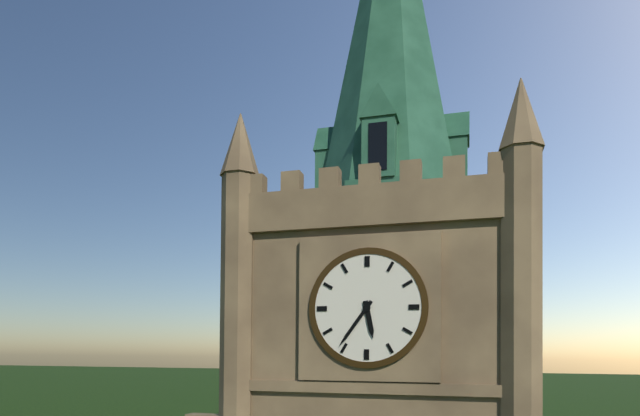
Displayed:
h=5 m=36
